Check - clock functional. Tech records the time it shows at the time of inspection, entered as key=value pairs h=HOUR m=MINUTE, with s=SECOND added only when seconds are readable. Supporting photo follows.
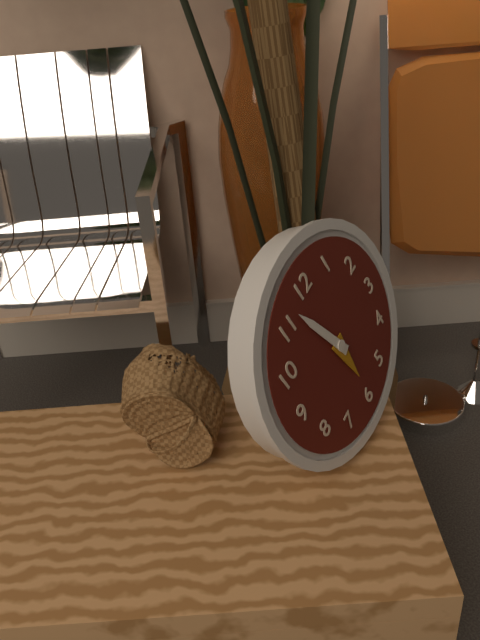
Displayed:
h=5 m=57
